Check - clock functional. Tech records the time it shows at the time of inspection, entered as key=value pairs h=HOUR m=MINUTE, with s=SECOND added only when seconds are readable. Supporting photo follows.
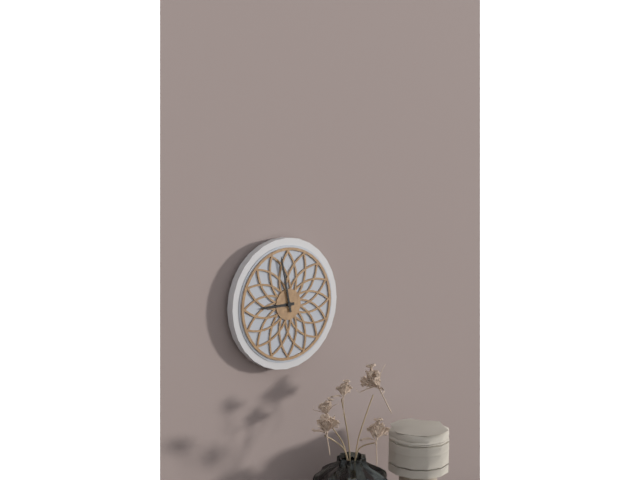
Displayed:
h=8 m=58
